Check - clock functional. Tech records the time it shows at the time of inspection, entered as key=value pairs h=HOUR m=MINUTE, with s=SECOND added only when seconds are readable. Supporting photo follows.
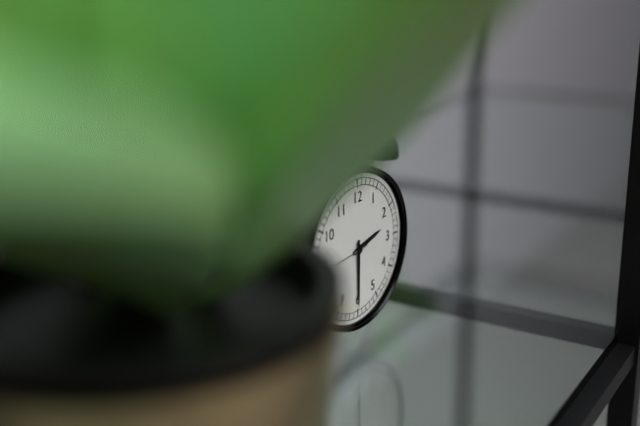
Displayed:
h=2 m=30
